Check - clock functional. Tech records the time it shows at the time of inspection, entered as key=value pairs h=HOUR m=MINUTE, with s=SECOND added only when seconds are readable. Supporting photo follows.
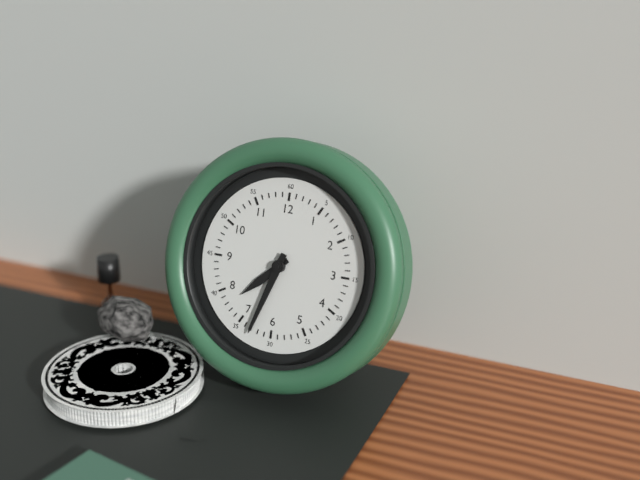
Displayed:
h=7 m=33
